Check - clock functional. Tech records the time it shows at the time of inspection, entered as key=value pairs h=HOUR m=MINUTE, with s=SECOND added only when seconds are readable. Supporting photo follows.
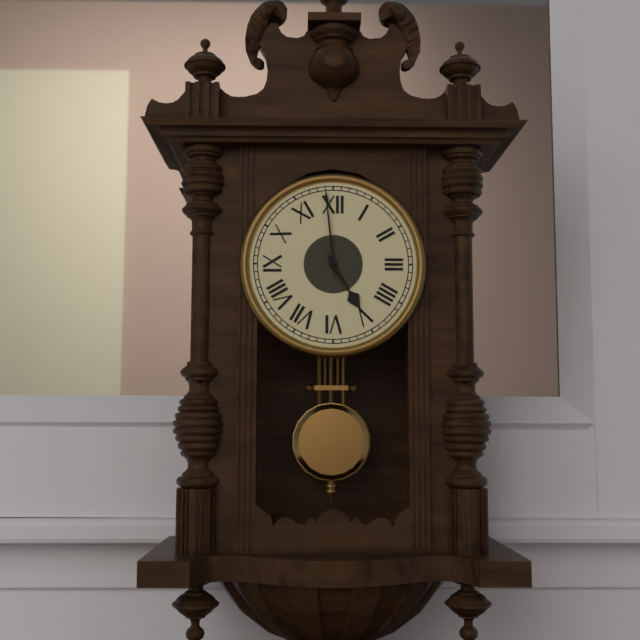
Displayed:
h=4 m=59
